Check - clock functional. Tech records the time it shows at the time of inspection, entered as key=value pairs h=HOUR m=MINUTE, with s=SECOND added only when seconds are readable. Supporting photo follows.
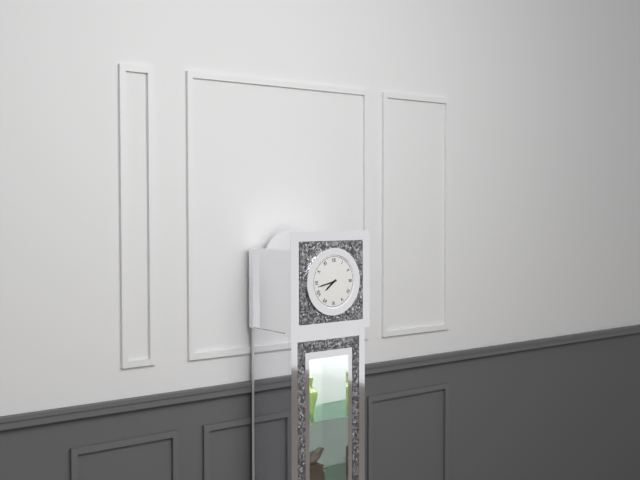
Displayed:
h=7 m=43
